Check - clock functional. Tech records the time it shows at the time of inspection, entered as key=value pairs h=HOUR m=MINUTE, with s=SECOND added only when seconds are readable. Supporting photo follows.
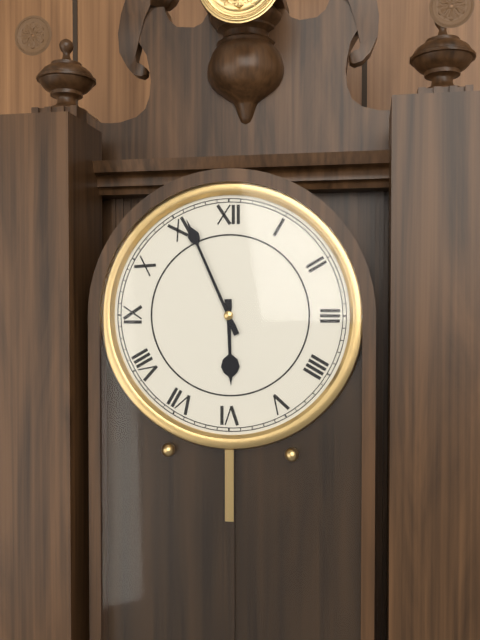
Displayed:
h=5 m=56
